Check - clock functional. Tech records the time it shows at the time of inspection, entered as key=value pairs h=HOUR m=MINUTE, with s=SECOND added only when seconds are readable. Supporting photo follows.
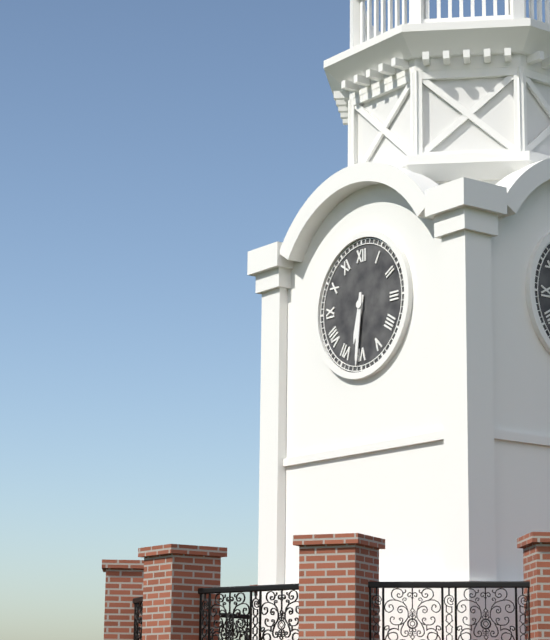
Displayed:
h=6 m=31
